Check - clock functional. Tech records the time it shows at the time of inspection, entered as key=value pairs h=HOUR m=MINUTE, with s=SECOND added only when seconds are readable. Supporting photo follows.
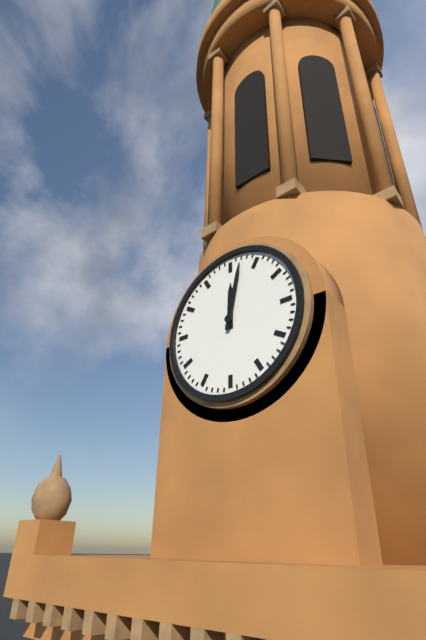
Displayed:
h=12 m=2
